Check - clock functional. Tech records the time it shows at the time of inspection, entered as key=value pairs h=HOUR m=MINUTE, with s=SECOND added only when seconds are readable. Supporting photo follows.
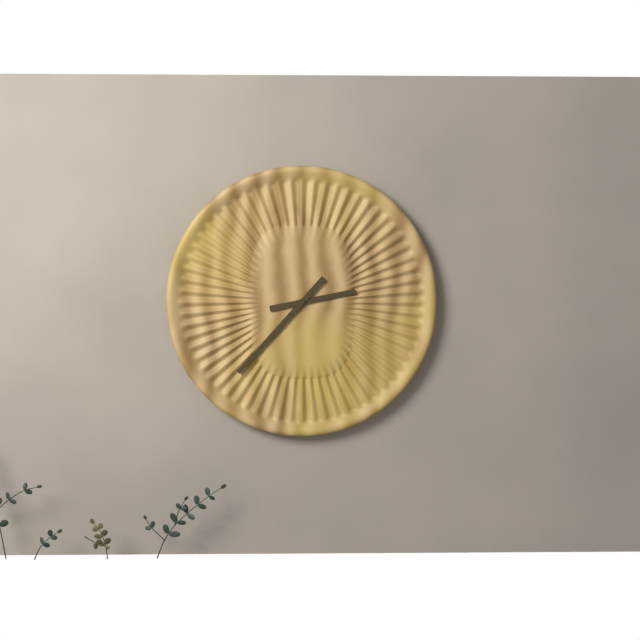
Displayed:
h=2 m=37
